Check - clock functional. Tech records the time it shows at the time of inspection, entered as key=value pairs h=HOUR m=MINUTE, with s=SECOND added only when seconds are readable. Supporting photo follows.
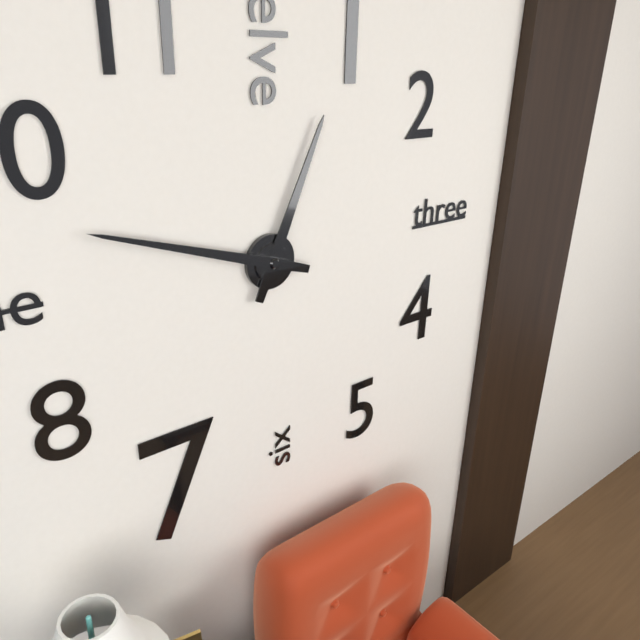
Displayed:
h=12 m=48
